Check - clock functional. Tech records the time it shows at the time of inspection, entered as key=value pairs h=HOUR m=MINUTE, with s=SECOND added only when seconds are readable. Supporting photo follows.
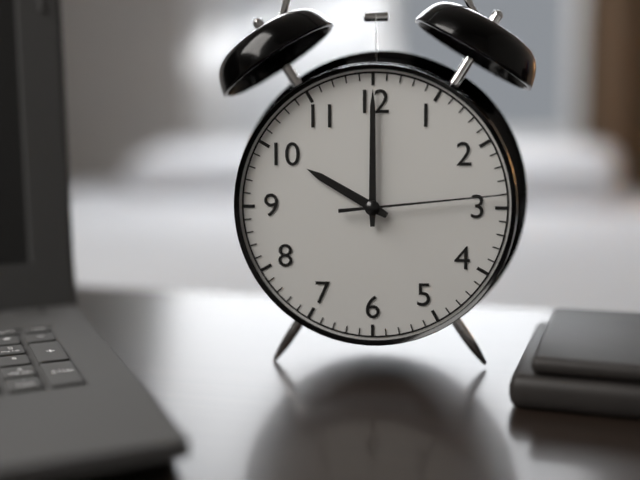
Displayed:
h=10 m=0 s=14
